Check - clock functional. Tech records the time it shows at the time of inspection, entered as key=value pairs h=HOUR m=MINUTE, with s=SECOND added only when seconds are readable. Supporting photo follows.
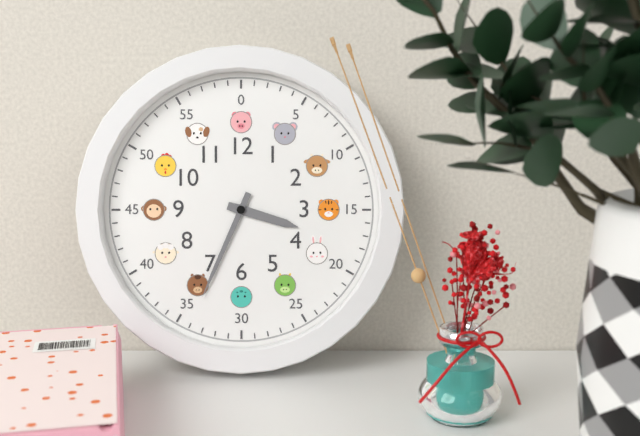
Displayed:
h=3 m=34
